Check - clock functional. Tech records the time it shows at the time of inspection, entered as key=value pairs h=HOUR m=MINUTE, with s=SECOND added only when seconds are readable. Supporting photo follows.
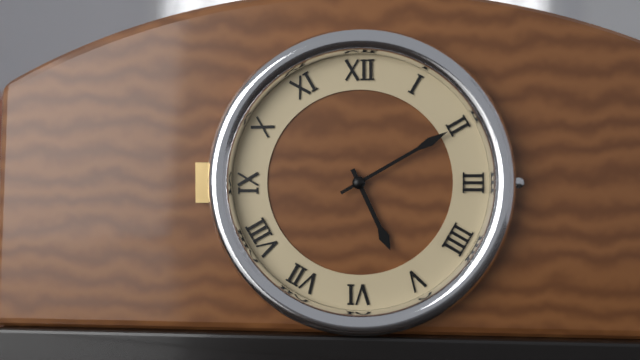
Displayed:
h=5 m=10
